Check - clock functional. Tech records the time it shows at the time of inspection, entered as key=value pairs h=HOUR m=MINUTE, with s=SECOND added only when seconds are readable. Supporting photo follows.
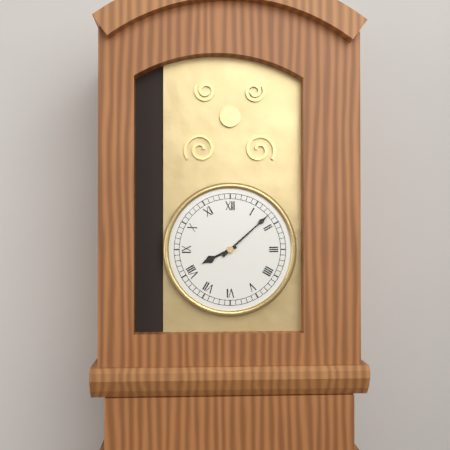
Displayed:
h=8 m=8
